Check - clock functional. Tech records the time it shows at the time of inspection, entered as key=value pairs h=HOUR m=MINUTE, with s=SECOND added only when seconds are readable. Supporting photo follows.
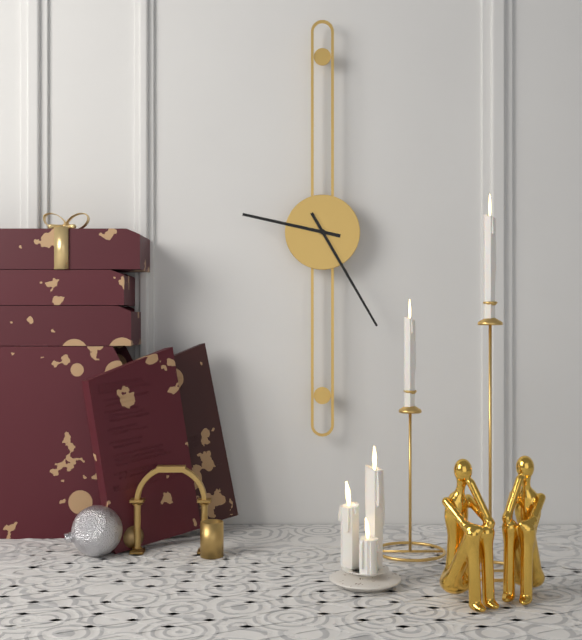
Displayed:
h=9 m=25
